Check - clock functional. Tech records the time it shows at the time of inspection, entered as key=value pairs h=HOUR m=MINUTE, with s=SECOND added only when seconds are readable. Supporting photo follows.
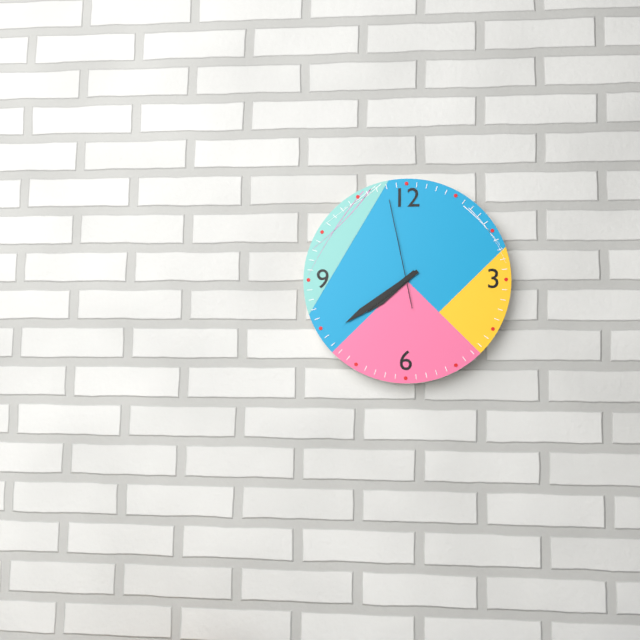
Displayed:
h=7 m=39 s=58
